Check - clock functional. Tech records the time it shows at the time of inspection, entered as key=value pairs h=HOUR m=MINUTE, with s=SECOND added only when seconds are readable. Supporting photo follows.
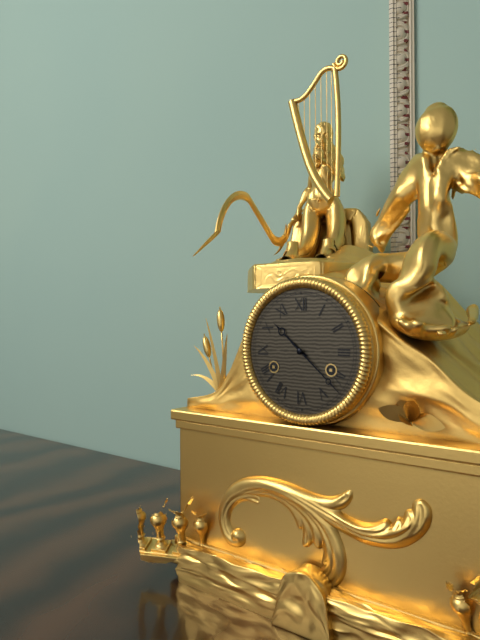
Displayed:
h=10 m=22
